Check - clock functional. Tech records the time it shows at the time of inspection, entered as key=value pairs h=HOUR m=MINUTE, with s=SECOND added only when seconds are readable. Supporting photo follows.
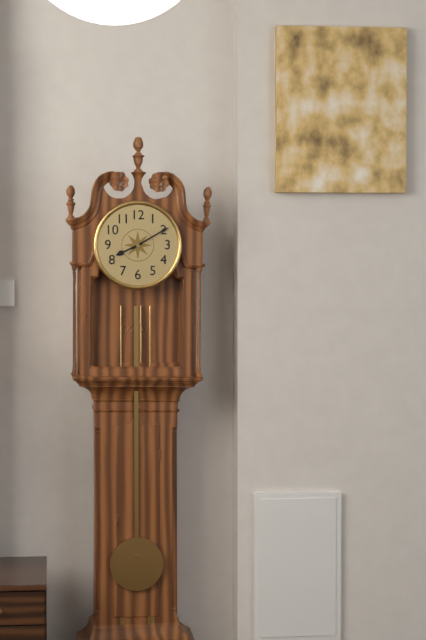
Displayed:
h=8 m=10
